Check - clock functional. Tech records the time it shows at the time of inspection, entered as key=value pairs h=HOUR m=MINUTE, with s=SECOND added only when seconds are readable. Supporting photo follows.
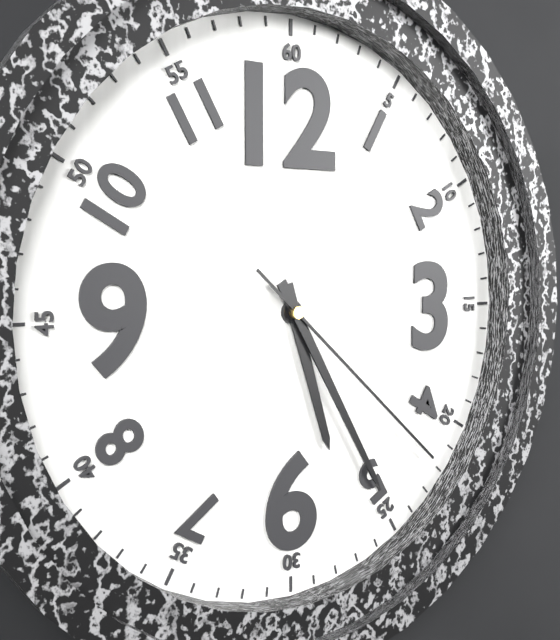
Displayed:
h=5 m=25 s=22
